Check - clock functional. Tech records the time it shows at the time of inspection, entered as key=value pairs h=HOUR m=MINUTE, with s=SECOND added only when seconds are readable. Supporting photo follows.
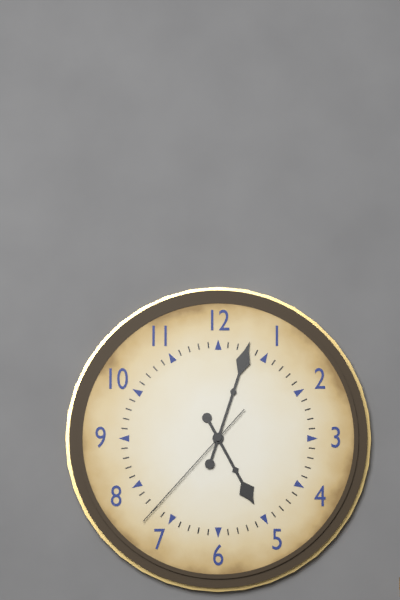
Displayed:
h=5 m=3 s=37
